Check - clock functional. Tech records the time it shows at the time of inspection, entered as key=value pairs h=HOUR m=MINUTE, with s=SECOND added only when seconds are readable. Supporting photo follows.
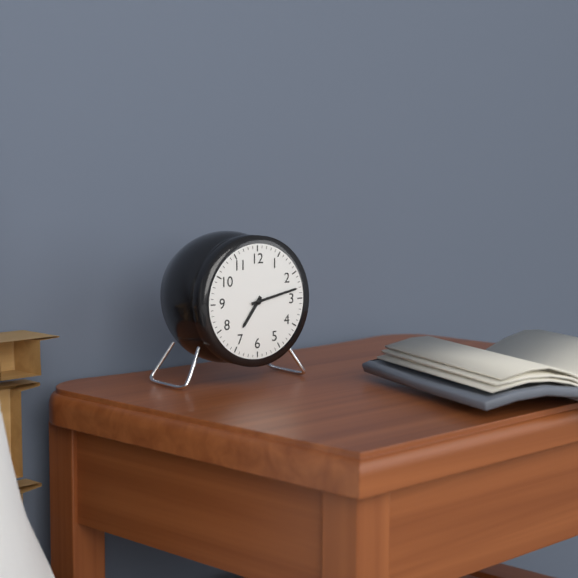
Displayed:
h=7 m=13
